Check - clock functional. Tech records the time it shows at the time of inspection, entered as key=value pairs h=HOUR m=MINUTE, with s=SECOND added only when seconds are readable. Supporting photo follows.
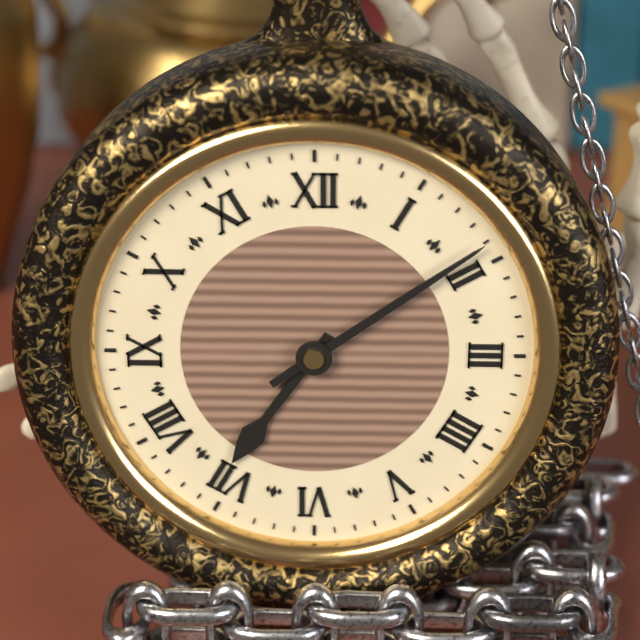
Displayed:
h=7 m=9
